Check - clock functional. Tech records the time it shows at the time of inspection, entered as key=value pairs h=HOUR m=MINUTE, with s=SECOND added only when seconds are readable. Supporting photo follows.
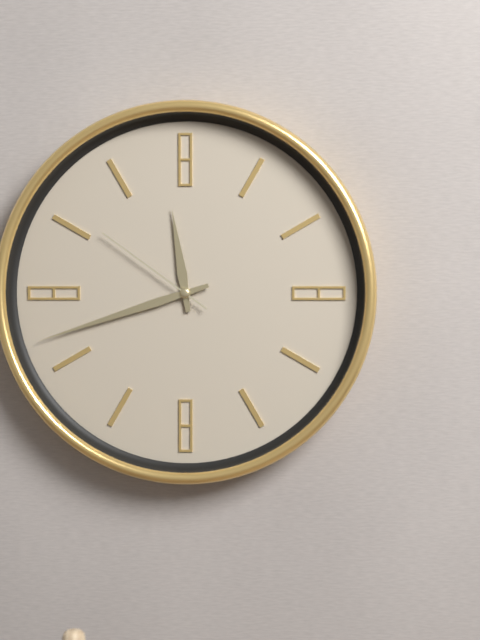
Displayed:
h=11 m=42 s=51
